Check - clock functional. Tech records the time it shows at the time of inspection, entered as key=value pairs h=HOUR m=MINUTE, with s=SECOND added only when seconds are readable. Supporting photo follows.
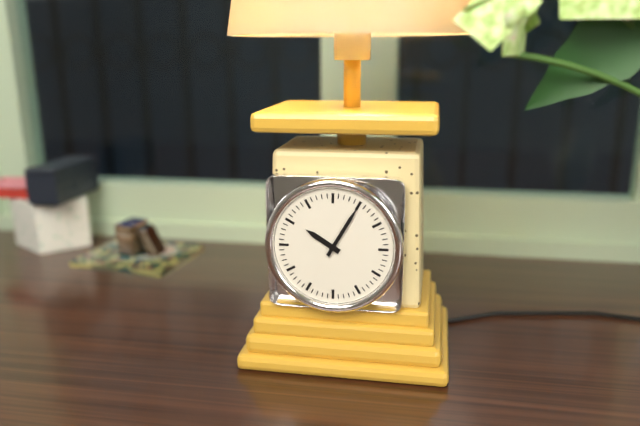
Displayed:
h=10 m=5
